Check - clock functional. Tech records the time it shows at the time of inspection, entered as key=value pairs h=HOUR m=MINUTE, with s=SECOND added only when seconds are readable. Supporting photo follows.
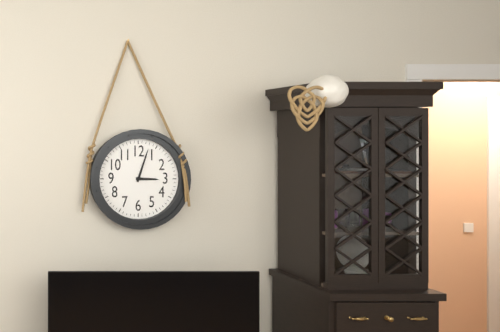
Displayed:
h=3 m=3
